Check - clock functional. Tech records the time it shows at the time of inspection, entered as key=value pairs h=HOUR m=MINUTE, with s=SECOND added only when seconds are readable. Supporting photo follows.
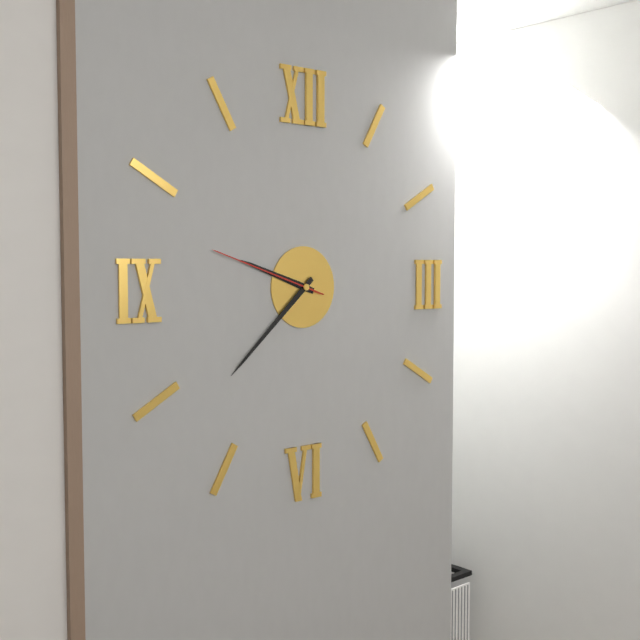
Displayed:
h=9 m=38 s=48
